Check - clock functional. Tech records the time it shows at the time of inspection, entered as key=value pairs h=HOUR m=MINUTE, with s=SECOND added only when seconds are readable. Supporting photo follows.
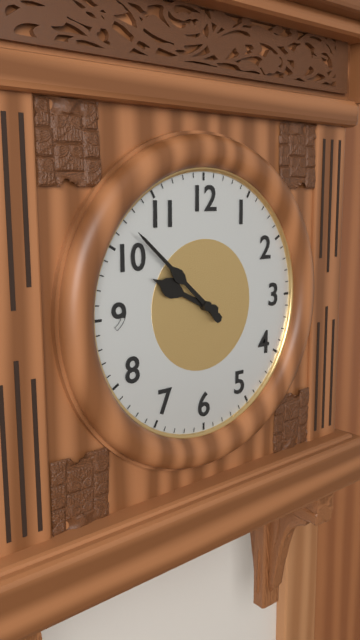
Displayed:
h=9 m=52
